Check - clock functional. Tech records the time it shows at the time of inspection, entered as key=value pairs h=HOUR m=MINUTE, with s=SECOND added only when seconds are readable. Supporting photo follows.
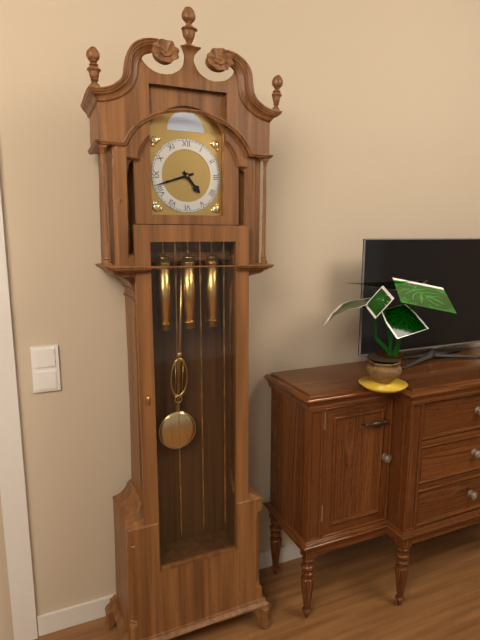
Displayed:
h=4 m=42
